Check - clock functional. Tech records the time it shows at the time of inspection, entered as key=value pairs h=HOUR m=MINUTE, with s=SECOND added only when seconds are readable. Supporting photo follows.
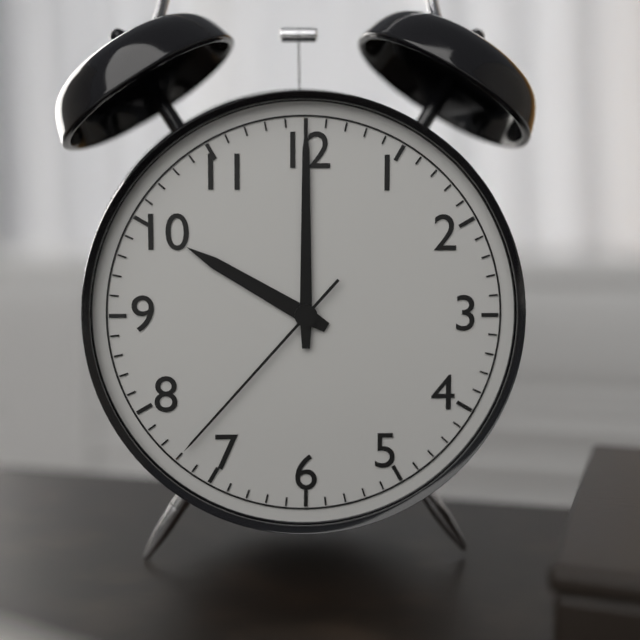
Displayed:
h=10 m=0 s=37
